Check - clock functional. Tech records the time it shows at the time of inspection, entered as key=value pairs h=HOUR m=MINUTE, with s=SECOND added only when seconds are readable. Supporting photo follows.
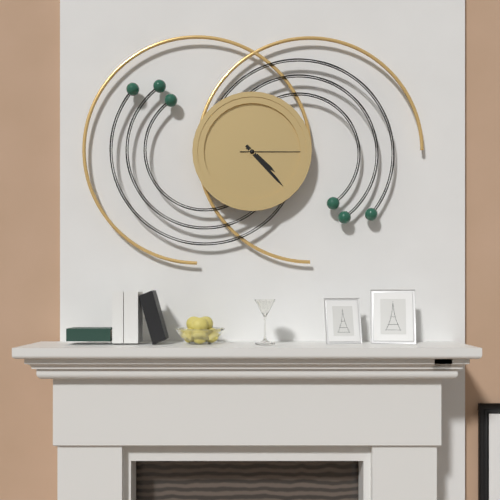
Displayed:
h=4 m=23 s=15
